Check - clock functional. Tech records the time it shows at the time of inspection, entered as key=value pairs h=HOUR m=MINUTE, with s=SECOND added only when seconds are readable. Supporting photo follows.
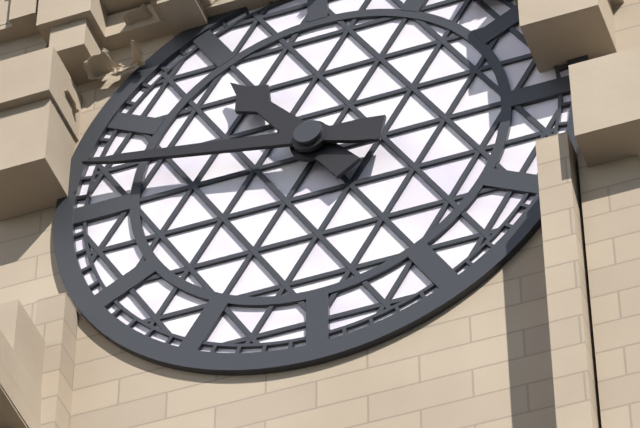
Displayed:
h=10 m=47
